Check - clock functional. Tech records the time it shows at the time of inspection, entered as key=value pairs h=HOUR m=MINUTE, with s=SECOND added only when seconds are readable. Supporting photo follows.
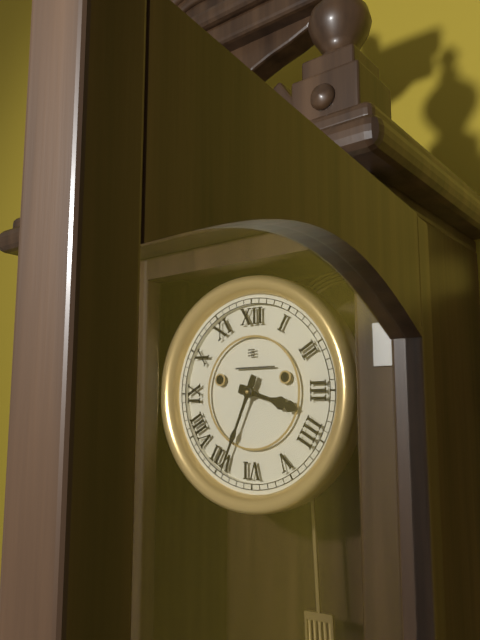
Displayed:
h=3 m=34
